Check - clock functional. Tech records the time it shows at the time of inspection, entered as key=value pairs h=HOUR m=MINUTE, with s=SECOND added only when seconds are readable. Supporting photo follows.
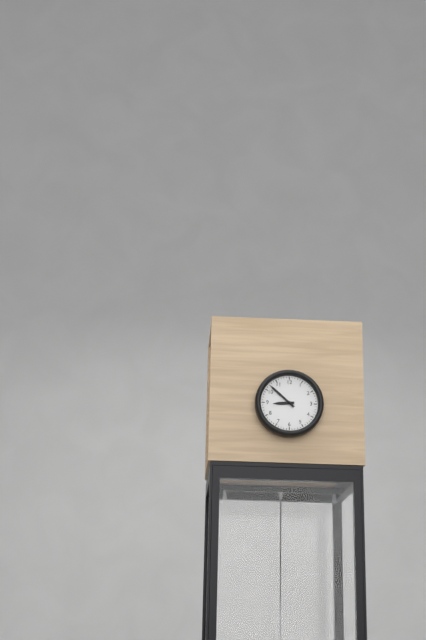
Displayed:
h=8 m=52
